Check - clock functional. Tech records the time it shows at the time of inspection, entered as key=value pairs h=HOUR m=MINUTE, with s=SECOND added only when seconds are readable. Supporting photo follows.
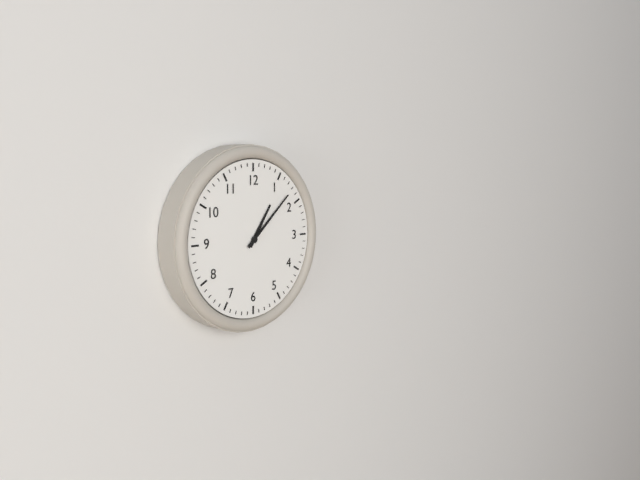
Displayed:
h=1 m=8
